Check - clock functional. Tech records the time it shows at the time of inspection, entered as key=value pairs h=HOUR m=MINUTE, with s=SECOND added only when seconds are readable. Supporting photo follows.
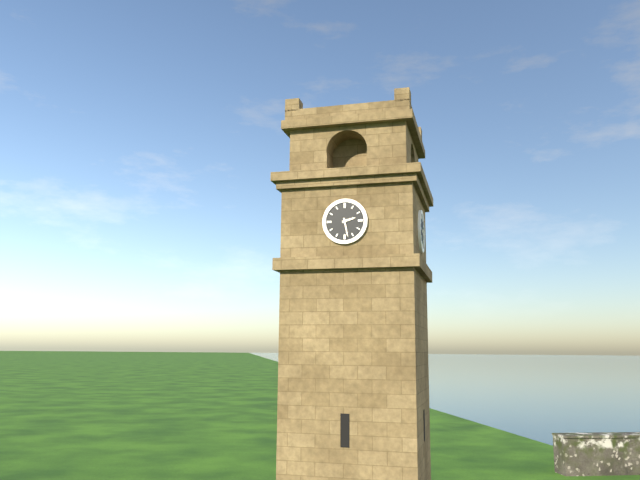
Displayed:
h=2 m=28
